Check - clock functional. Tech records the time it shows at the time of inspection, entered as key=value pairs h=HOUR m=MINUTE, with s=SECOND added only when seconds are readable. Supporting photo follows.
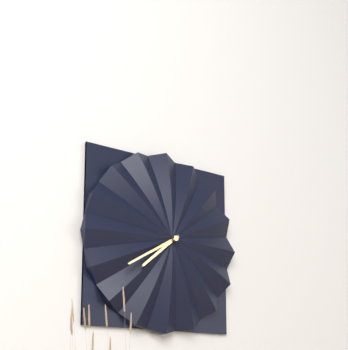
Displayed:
h=7 m=40
